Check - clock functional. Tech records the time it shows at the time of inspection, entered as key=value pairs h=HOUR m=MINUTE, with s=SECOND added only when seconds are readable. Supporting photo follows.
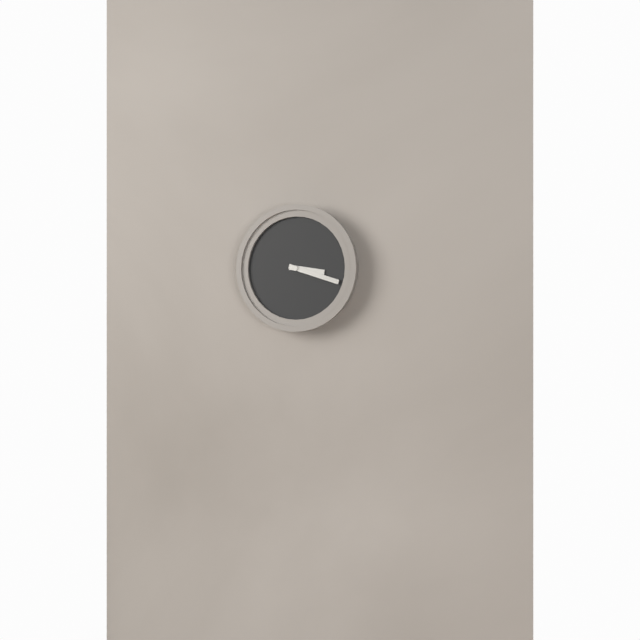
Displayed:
h=3 m=18
